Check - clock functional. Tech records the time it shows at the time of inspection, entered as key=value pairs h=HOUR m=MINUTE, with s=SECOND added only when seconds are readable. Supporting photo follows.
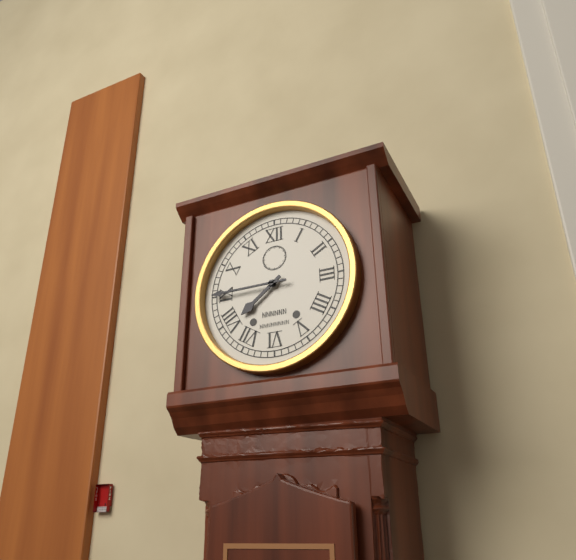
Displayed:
h=7 m=45
